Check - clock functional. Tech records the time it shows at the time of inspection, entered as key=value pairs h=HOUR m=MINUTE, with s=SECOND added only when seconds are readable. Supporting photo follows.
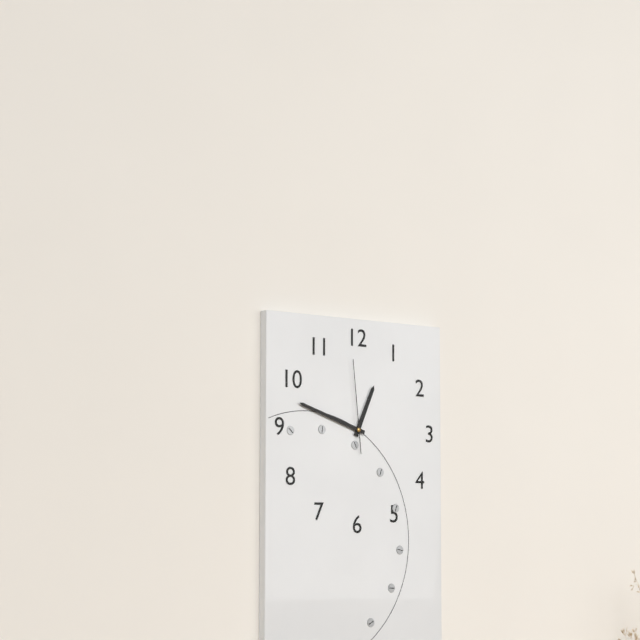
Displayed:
h=12 m=48 s=59
